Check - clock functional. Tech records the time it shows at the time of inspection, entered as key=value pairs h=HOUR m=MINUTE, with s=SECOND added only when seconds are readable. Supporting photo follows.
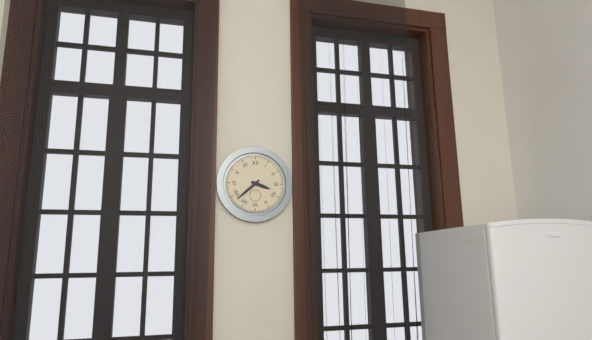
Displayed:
h=3 m=38
